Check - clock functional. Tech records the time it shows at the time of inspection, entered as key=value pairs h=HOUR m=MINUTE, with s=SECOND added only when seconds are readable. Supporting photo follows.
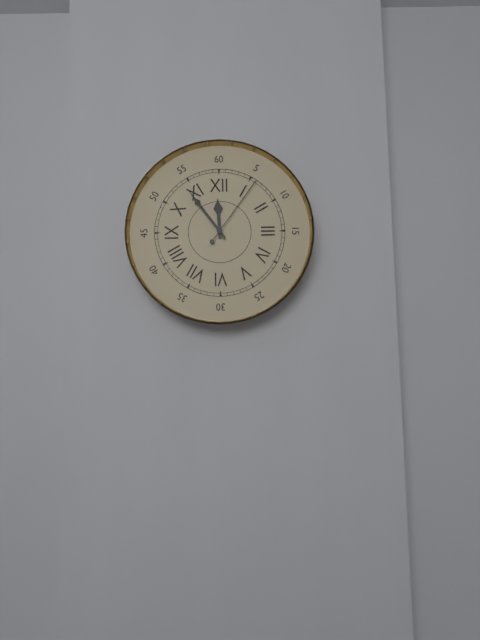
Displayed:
h=11 m=54 s=6
